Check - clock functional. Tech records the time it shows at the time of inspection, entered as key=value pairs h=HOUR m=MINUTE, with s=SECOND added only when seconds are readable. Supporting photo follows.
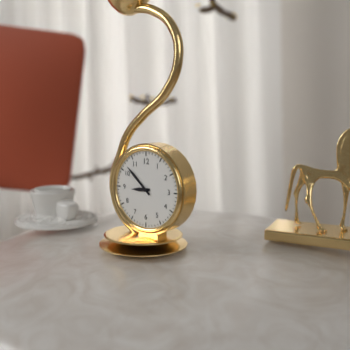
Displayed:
h=8 m=52
